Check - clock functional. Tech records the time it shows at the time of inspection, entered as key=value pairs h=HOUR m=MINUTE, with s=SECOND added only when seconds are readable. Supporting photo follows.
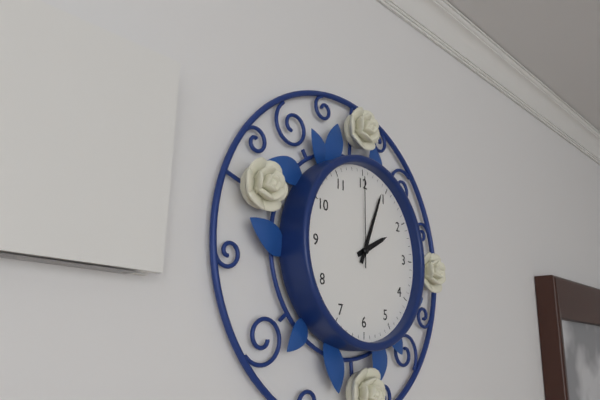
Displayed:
h=2 m=4 s=0
